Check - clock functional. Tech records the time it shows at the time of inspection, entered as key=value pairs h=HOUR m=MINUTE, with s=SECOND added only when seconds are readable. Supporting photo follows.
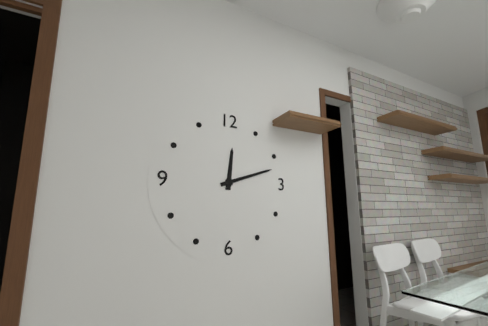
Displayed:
h=12 m=12
